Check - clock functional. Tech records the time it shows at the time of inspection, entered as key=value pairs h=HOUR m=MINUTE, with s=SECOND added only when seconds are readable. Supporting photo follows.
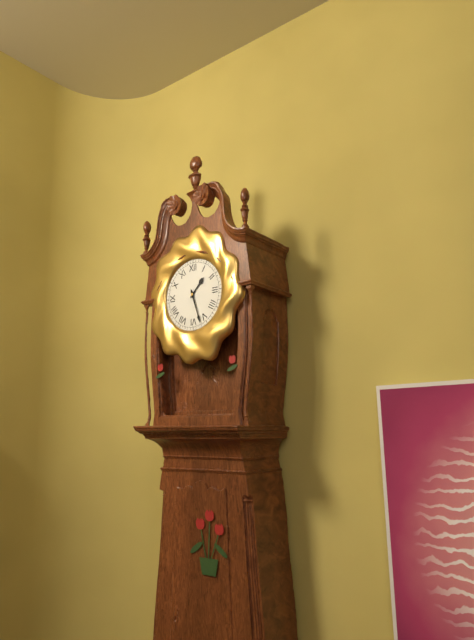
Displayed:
h=1 m=27
